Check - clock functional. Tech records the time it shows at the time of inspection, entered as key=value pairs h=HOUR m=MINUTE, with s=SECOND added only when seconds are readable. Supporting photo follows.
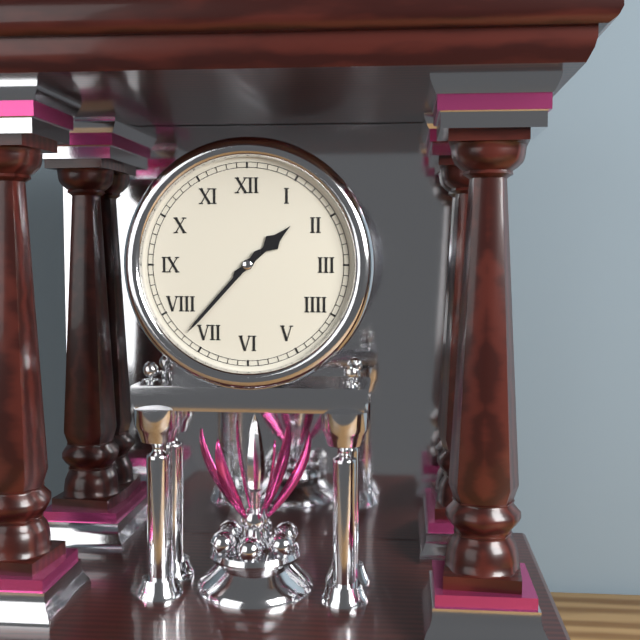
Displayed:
h=1 m=37
